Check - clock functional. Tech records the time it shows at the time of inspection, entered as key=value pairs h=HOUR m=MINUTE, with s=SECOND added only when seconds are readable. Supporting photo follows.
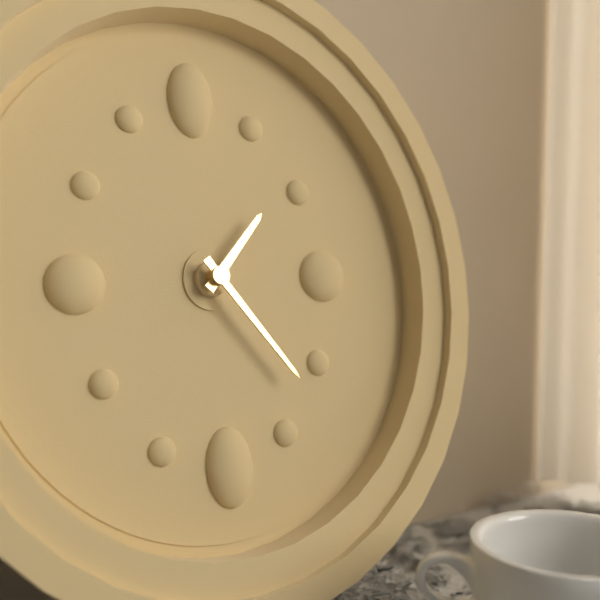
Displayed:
h=1 m=24
